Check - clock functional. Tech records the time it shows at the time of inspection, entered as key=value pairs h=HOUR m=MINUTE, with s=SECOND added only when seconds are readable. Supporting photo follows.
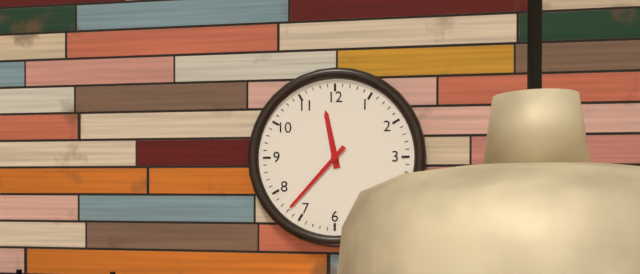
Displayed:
h=11 m=37
